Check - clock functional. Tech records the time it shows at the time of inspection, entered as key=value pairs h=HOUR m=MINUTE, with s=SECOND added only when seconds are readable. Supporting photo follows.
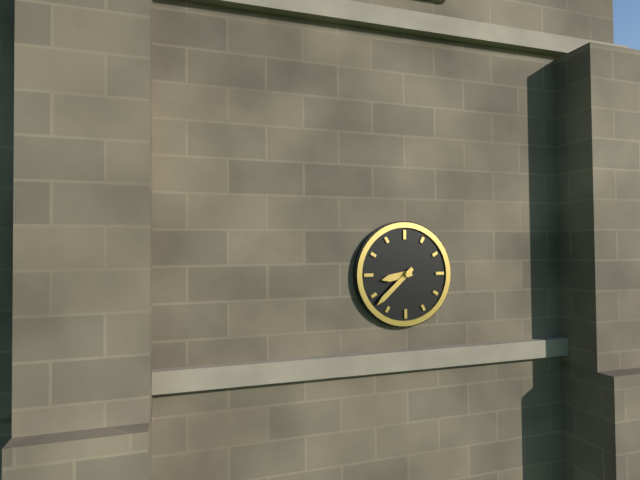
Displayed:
h=8 m=38
